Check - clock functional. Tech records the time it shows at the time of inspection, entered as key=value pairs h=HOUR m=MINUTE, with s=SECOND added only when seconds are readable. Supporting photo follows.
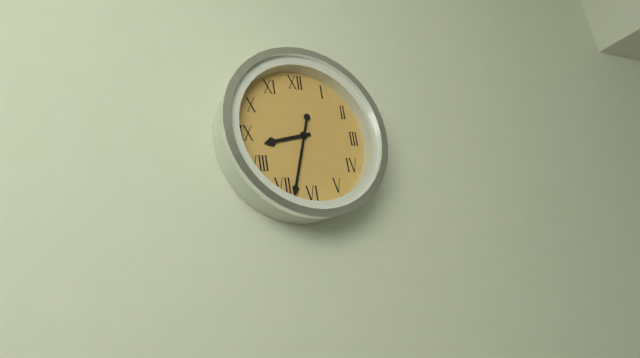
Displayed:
h=8 m=33
